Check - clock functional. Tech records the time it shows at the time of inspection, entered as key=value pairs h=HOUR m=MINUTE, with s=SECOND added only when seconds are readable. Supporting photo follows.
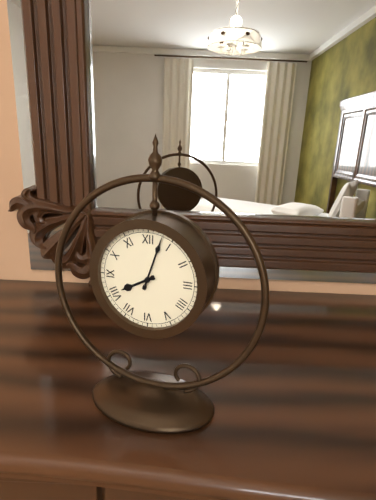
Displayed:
h=8 m=3
